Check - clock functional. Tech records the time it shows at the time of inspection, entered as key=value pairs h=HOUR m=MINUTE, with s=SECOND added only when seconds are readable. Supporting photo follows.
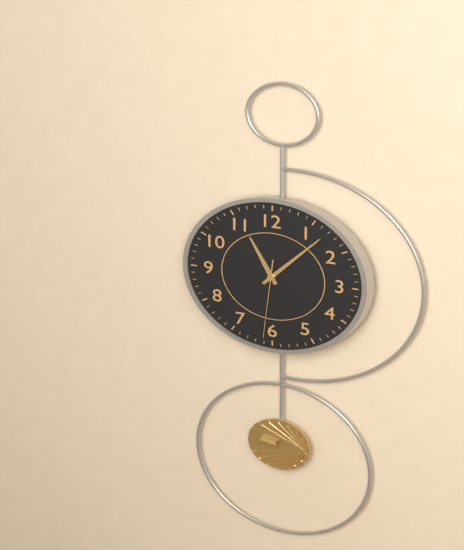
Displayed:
h=11 m=7 s=31
